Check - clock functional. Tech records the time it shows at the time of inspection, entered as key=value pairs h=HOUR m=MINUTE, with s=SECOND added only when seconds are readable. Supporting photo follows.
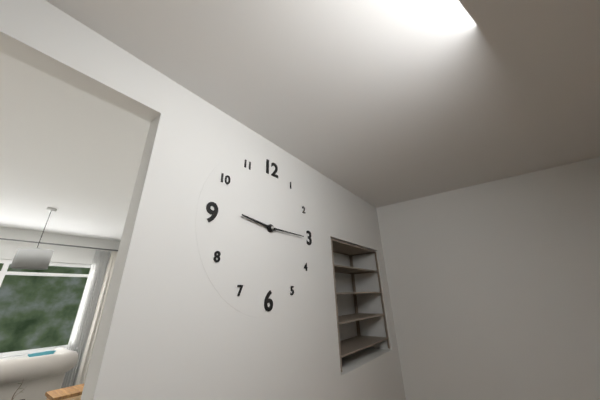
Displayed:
h=9 m=15
